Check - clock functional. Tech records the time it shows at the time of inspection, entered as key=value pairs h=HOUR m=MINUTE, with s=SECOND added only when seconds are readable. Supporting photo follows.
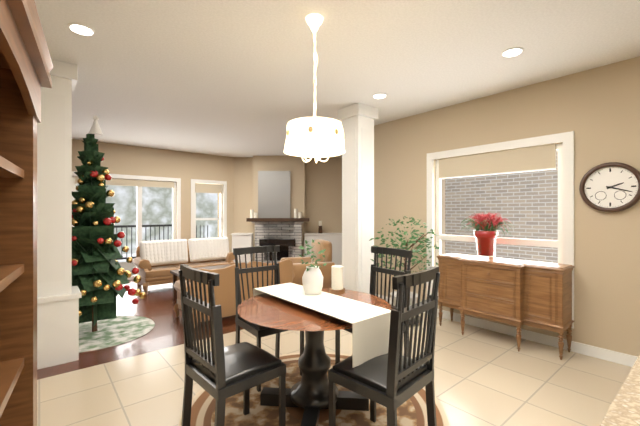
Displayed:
h=2 m=18
